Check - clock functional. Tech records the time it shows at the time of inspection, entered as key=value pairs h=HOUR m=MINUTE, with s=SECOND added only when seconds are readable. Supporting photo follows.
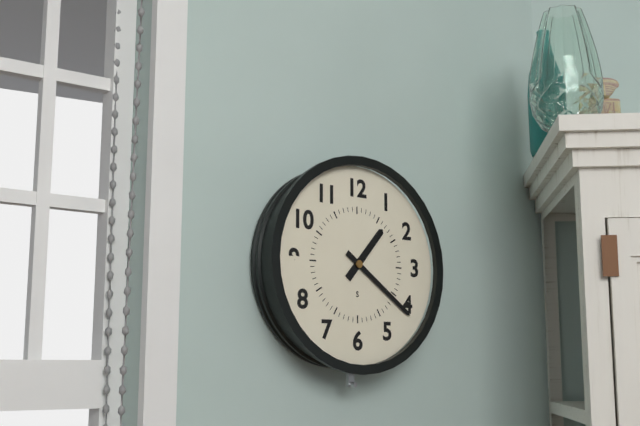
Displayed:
h=1 m=21
